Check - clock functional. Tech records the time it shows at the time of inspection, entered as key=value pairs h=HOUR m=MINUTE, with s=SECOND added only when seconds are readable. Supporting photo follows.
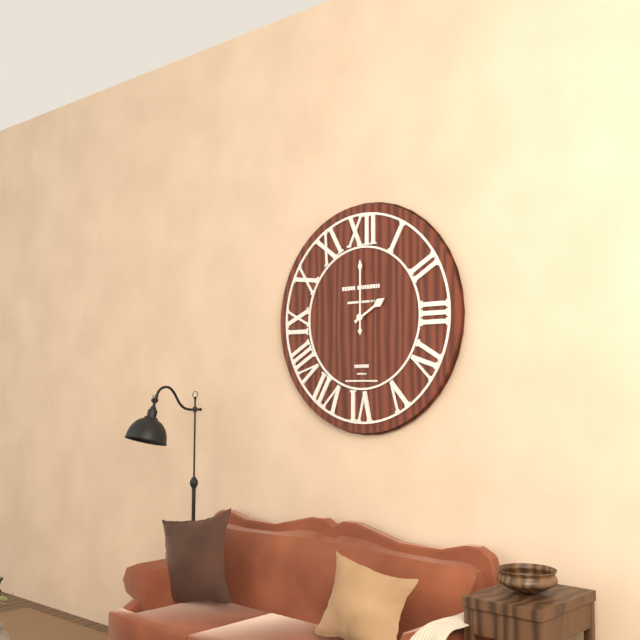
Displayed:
h=2 m=0
